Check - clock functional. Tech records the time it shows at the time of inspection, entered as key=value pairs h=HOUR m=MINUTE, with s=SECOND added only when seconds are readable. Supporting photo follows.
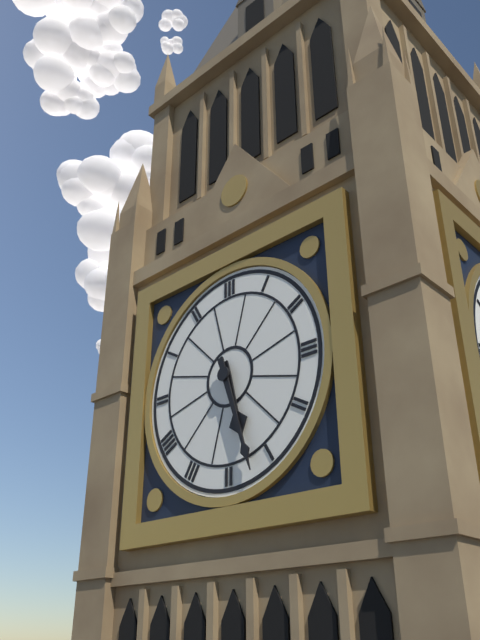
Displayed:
h=5 m=27
